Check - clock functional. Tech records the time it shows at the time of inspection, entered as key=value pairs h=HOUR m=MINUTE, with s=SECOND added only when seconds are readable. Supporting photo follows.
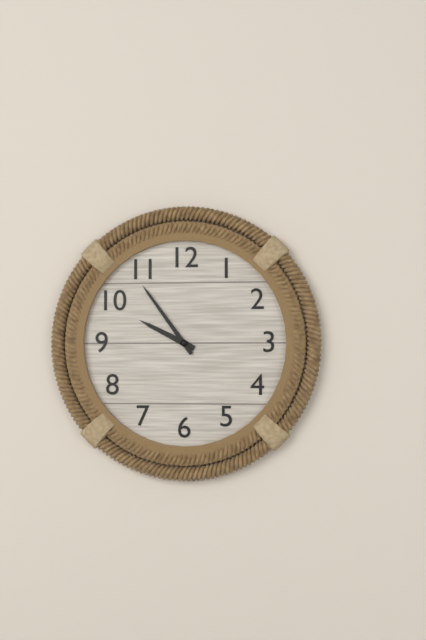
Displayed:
h=9 m=54
